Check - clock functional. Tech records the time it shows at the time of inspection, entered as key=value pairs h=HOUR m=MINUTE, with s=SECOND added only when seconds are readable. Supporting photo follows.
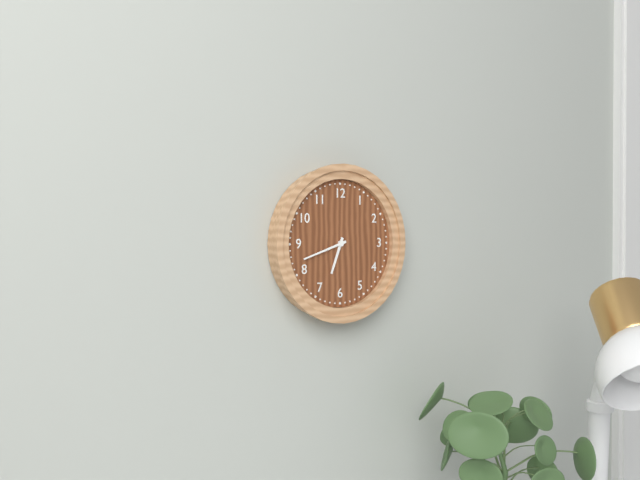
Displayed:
h=6 m=42
